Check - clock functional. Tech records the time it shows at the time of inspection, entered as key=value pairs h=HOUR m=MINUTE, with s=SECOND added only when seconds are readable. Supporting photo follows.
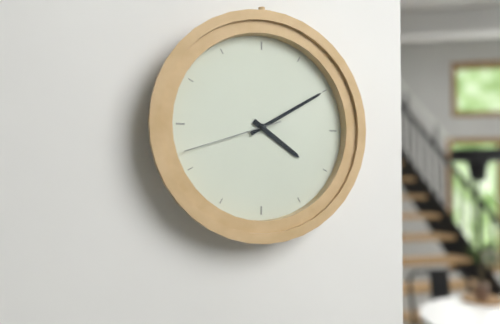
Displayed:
h=4 m=10 s=42
